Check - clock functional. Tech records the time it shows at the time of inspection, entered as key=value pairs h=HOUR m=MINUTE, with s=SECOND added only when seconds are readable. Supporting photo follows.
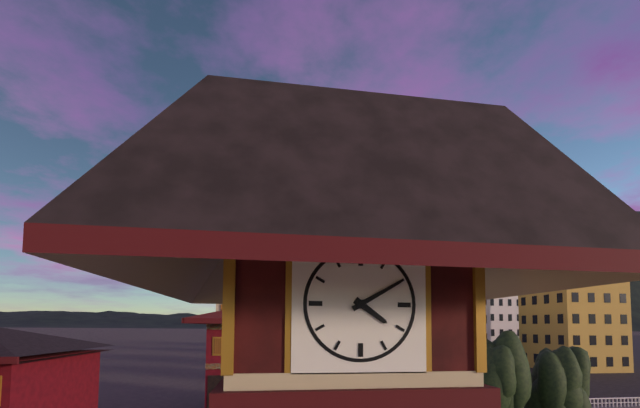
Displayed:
h=4 m=10
